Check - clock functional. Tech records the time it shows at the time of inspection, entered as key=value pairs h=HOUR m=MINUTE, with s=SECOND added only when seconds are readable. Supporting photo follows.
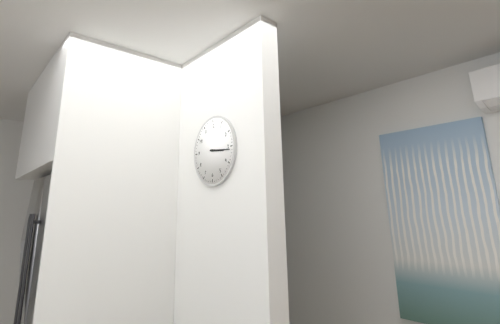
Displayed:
h=3 m=16
